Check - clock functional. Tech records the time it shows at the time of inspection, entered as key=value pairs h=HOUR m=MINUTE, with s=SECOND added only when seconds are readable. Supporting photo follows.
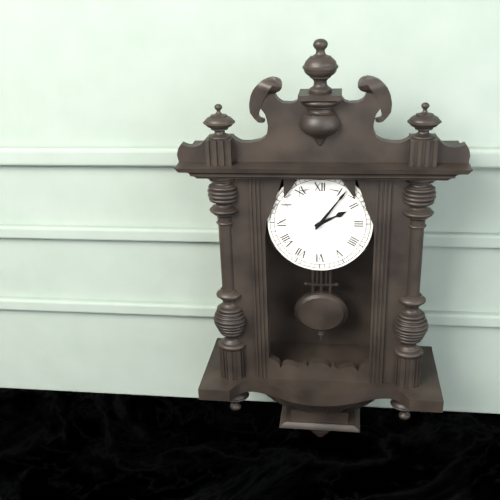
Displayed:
h=2 m=6
